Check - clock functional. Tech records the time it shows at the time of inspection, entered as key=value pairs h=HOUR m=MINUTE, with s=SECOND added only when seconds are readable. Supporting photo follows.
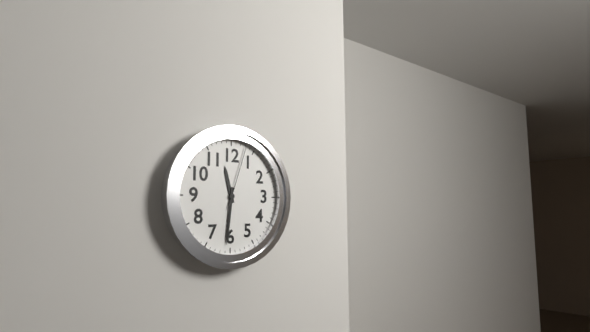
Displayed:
h=11 m=31 s=3
